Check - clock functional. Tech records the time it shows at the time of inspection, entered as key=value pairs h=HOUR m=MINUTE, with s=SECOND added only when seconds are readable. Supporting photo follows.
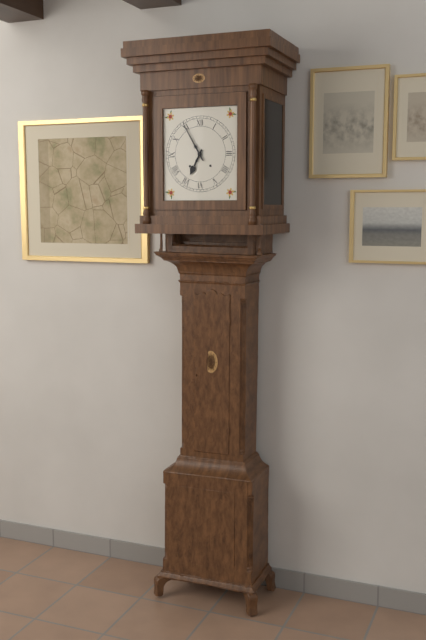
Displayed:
h=6 m=55
